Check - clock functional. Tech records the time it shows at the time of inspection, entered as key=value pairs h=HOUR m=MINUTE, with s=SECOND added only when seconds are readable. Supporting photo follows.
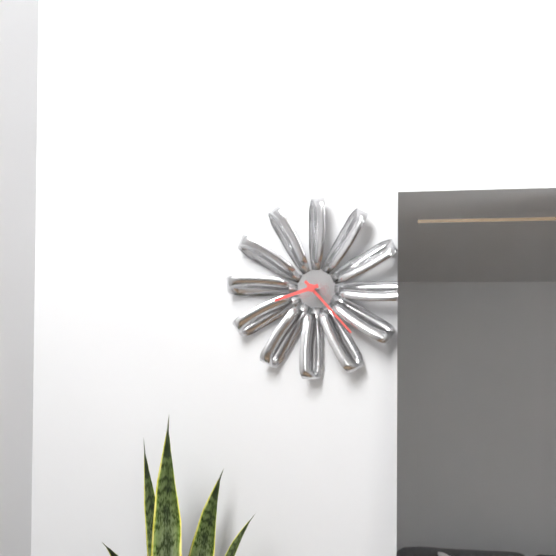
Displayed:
h=8 m=23
